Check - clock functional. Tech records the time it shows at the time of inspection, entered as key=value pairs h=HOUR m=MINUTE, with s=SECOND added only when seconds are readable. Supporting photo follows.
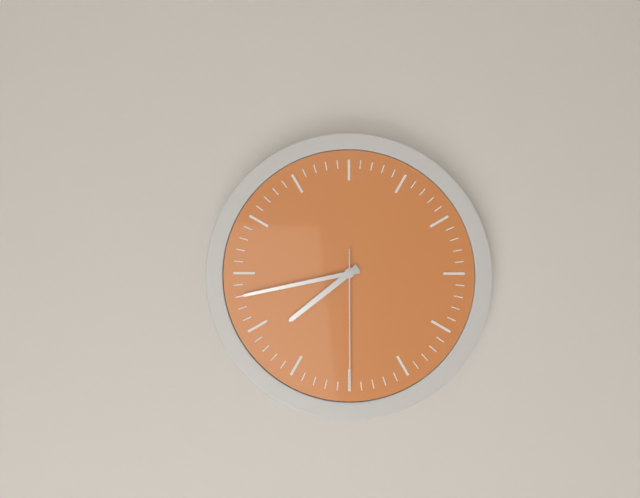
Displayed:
h=7 m=43 s=30
